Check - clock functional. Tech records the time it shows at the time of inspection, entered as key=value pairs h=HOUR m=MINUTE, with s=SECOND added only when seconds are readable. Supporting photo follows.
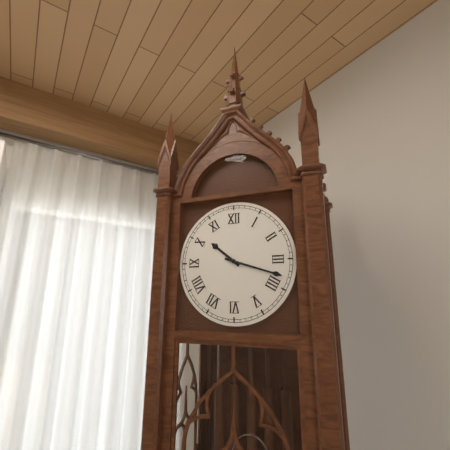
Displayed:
h=10 m=18
